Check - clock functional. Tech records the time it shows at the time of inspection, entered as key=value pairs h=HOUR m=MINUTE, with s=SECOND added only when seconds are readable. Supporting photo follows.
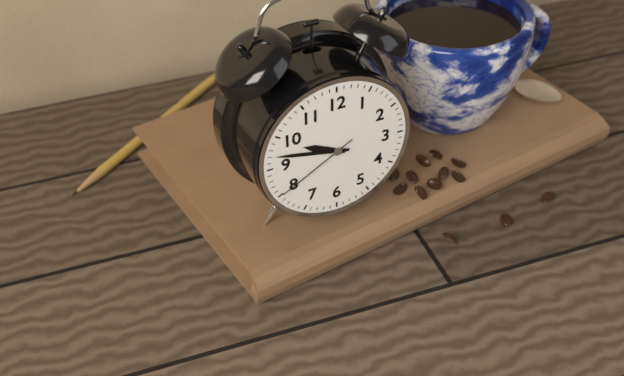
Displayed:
h=9 m=47 s=40
